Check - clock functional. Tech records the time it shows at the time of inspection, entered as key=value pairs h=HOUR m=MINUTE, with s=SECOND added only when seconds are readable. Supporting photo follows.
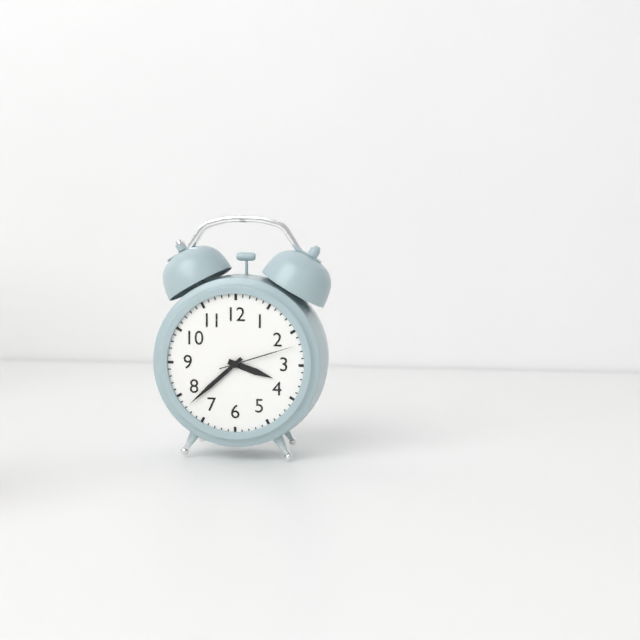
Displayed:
h=3 m=38 s=12
